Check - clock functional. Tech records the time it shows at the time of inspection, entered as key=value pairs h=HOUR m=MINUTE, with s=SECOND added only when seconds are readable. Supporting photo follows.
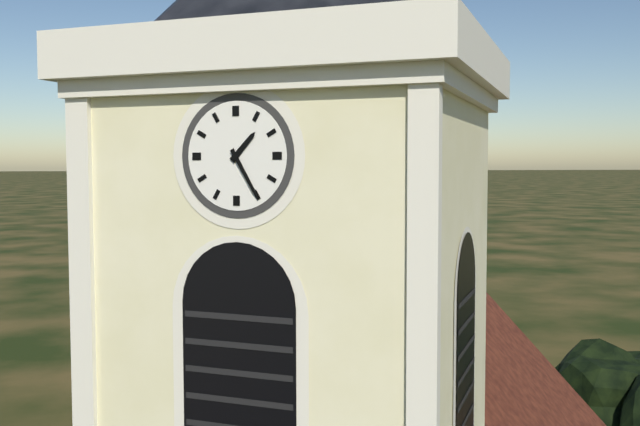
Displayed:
h=1 m=25
